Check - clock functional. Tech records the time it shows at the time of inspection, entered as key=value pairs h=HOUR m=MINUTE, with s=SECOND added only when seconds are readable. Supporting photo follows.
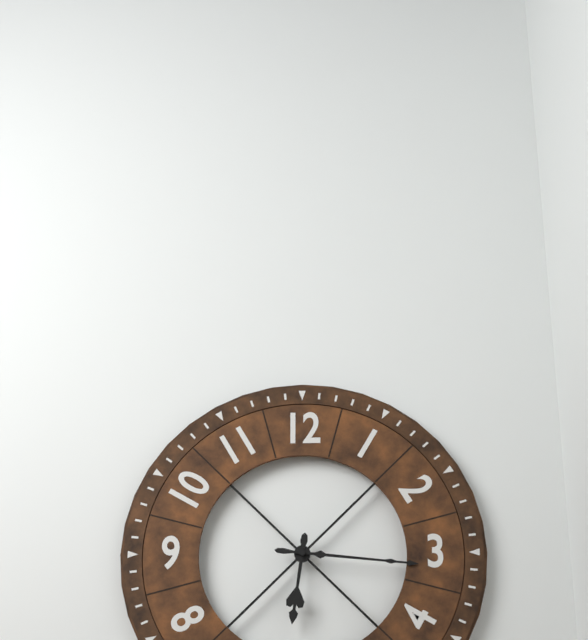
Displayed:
h=6 m=16
